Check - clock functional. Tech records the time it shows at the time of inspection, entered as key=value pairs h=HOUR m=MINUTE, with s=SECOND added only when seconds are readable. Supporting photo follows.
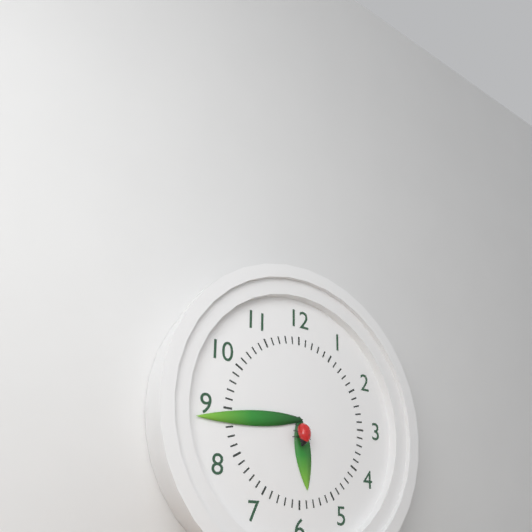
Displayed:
h=5 m=44
